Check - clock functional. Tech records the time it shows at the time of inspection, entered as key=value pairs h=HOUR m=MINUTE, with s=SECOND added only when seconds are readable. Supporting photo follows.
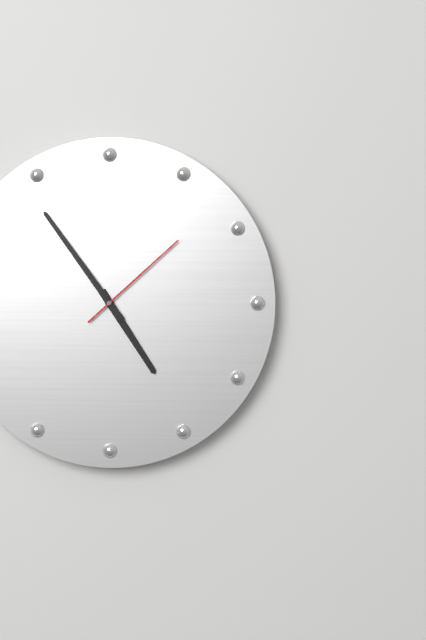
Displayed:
h=4 m=54 s=8
